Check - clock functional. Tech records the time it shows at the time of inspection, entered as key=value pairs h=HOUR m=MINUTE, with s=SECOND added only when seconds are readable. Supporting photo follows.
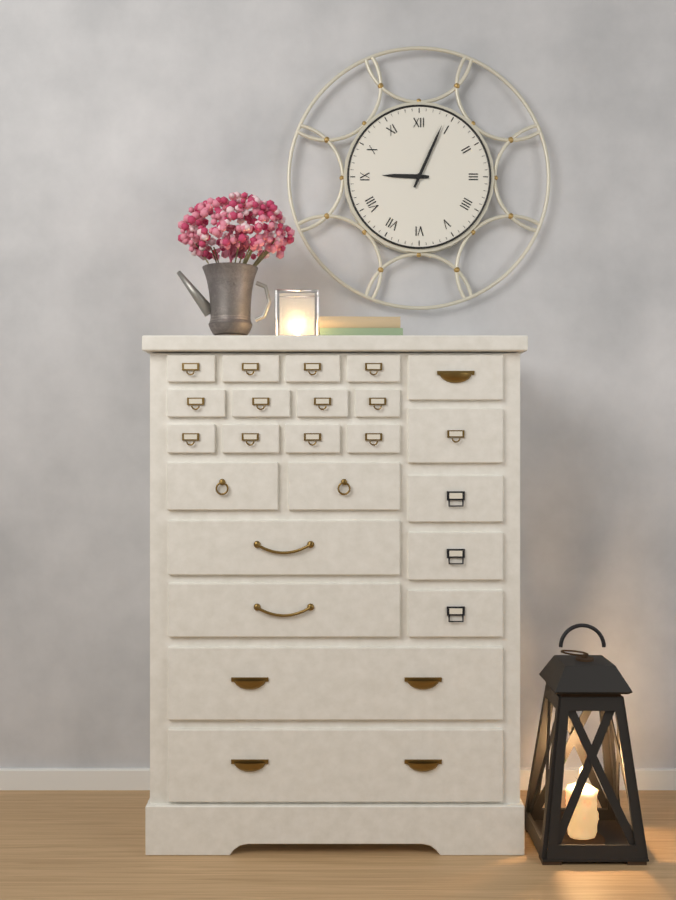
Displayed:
h=9 m=4
